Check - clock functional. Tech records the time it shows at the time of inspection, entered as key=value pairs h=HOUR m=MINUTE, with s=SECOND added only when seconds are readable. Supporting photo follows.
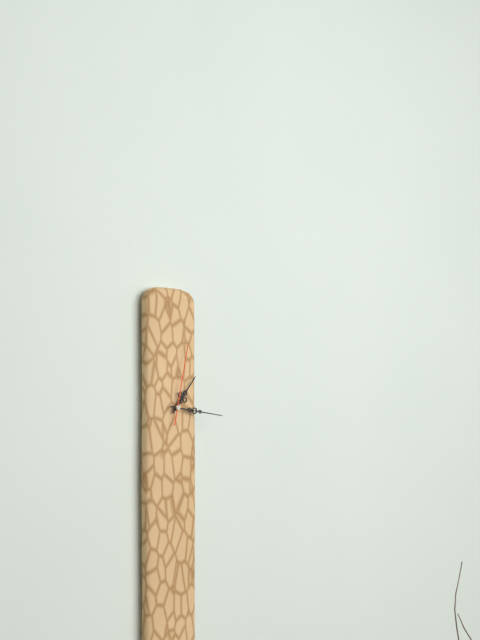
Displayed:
h=1 m=16 s=2
